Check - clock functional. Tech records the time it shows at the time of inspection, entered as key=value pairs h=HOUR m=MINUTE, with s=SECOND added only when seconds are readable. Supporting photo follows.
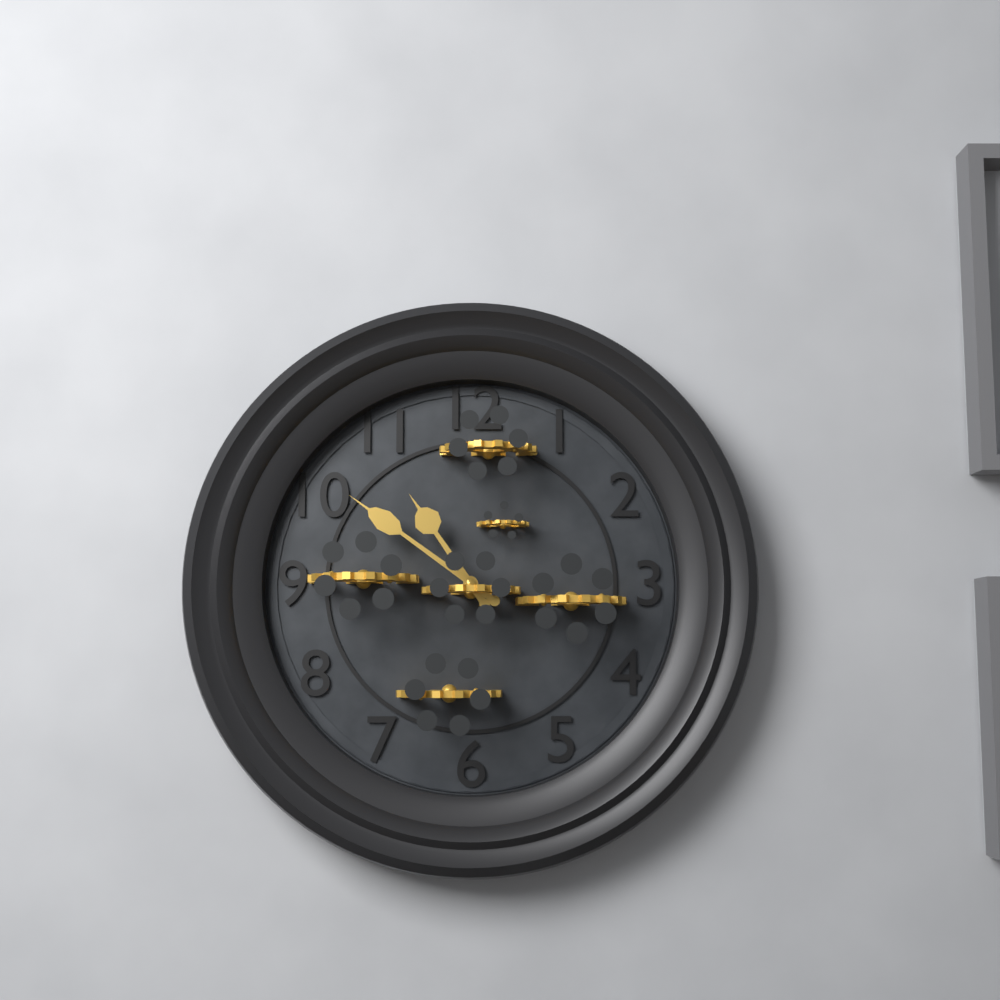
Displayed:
h=10 m=51
